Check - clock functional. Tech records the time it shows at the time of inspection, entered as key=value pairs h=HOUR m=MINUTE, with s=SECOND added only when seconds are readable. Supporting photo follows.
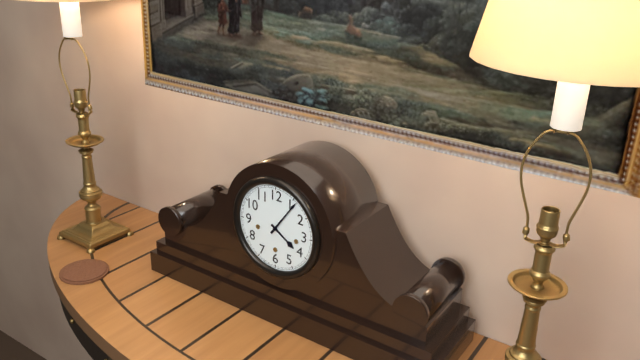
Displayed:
h=4 m=6
